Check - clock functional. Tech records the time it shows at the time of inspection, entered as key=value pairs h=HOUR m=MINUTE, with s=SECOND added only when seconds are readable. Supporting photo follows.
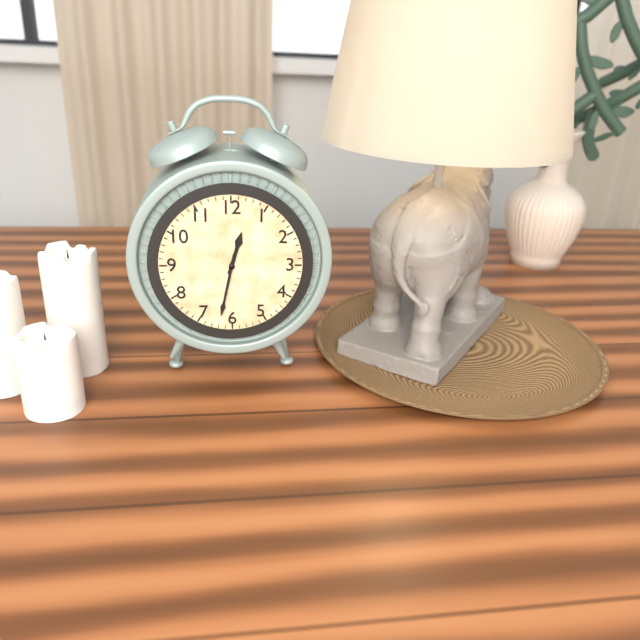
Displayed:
h=12 m=32
